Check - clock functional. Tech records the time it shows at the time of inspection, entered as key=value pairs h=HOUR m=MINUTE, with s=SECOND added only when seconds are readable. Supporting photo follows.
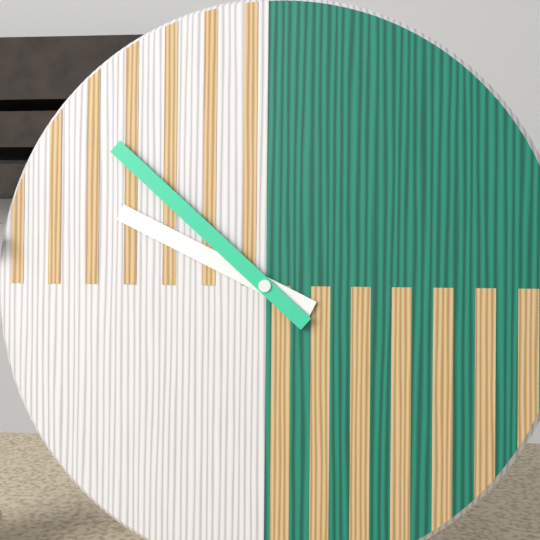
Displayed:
h=9 m=52
